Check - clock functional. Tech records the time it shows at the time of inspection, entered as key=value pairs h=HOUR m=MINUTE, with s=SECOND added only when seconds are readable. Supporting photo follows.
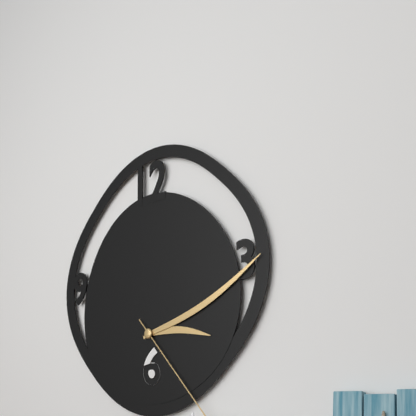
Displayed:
h=3 m=11
